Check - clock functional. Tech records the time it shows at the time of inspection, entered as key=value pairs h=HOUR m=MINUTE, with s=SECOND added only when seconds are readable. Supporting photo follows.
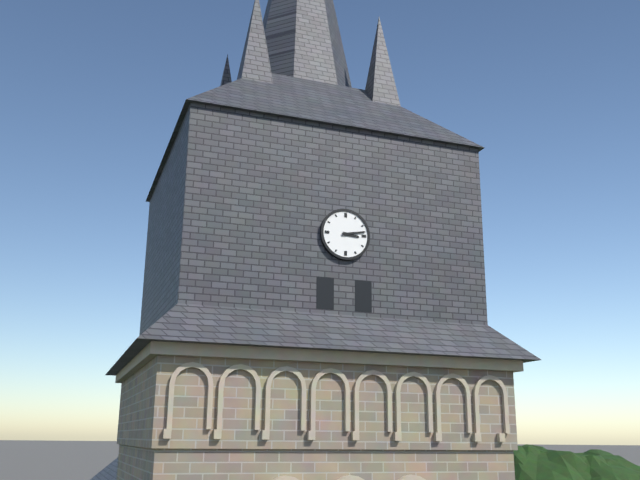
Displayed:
h=3 m=13
